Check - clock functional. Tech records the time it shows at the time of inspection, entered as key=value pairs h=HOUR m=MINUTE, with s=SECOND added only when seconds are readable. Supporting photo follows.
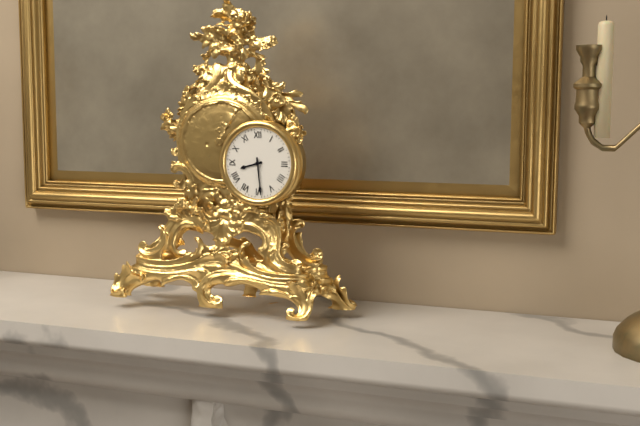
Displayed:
h=8 m=29
